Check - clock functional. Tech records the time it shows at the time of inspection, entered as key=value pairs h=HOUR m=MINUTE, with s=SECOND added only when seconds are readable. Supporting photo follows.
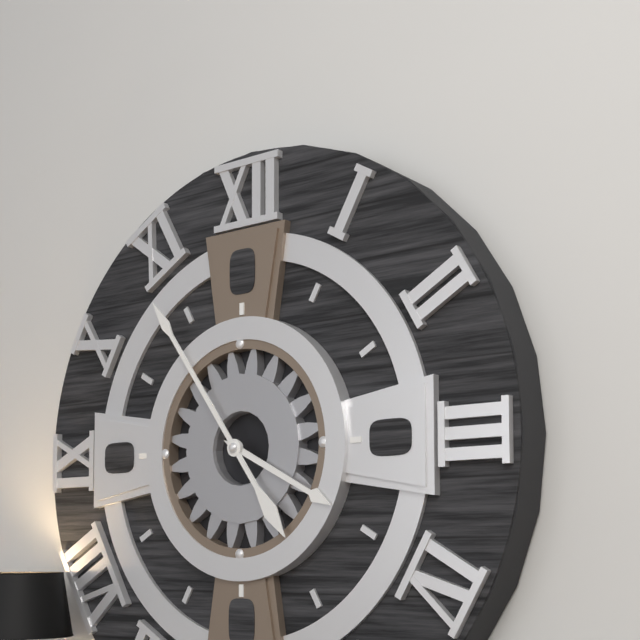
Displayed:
h=3 m=54
